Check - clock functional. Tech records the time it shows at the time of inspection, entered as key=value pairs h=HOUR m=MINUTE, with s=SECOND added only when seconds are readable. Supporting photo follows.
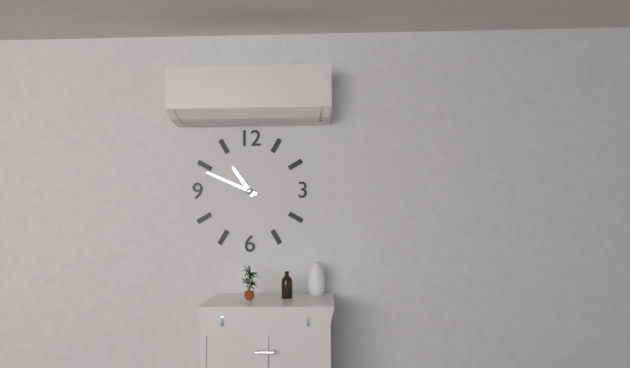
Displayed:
h=10 m=49
